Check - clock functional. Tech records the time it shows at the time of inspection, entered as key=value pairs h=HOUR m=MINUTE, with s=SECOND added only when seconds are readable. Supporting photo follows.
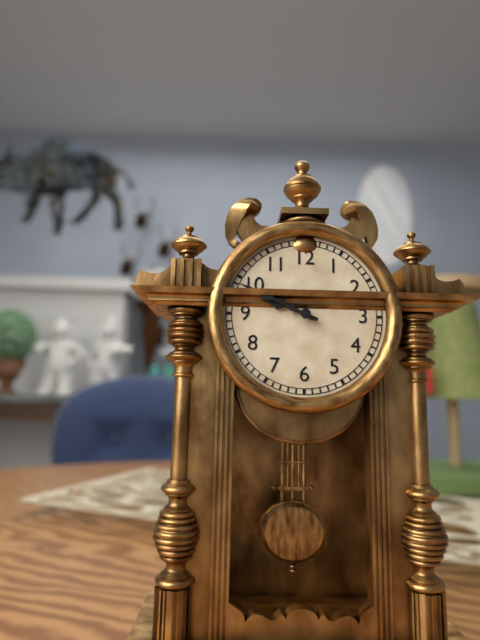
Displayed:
h=9 m=49
